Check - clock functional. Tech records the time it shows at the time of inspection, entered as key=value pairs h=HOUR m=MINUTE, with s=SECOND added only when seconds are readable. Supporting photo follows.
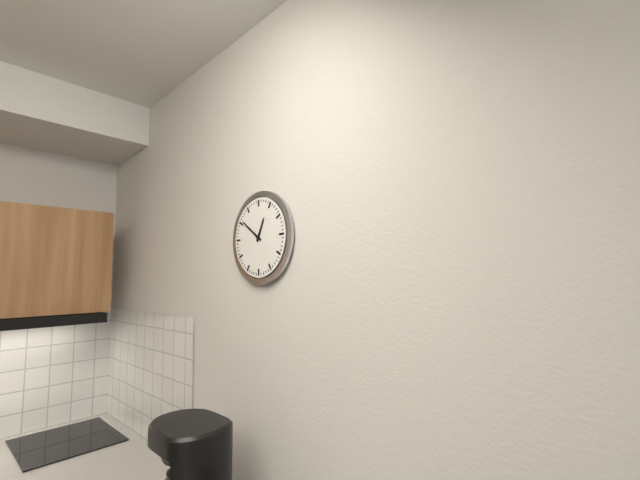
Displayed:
h=12 m=51
